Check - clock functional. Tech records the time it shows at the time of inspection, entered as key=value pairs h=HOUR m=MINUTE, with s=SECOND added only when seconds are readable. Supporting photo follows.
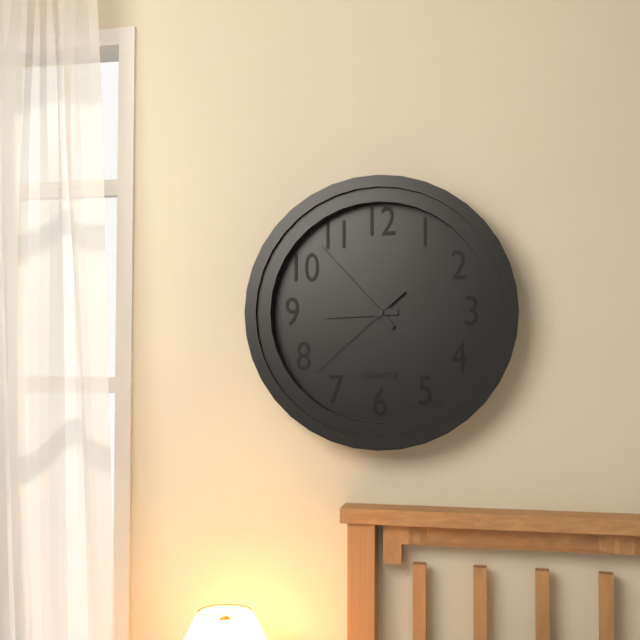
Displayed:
h=8 m=53 s=38
